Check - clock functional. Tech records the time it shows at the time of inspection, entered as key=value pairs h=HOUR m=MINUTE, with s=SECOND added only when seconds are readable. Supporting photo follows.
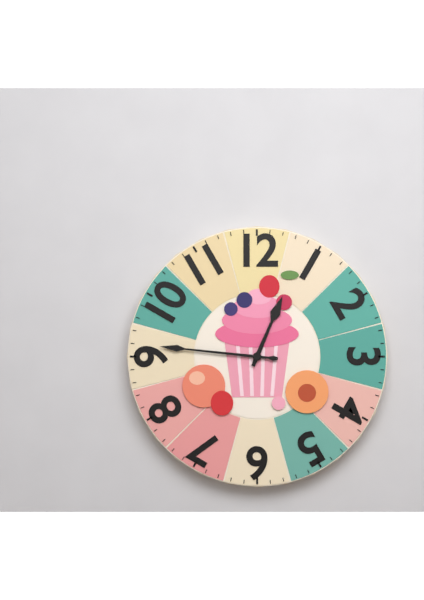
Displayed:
h=12 m=46
